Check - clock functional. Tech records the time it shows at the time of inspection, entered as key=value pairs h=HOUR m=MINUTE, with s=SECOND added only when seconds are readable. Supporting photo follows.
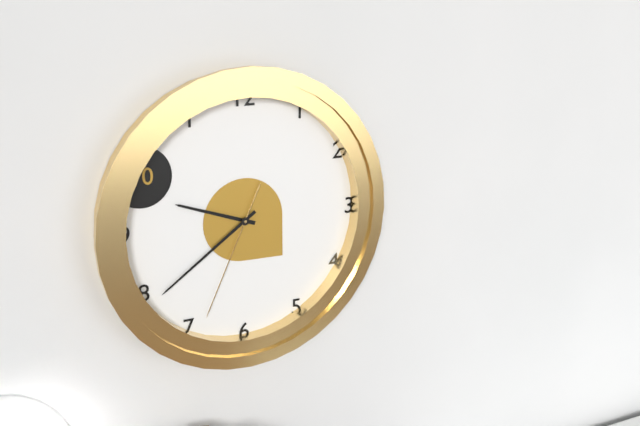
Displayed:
h=9 m=39 s=34
